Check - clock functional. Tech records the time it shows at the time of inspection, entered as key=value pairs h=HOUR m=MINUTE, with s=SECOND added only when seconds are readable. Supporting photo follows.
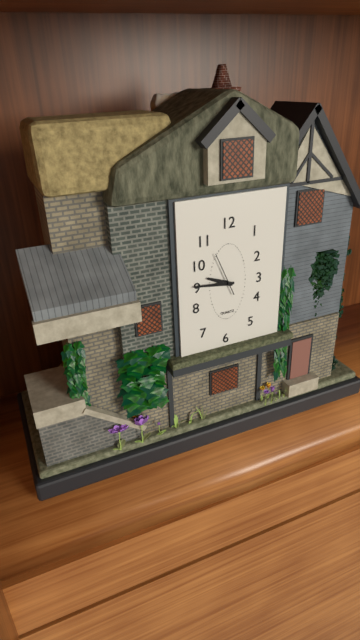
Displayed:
h=9 m=46
